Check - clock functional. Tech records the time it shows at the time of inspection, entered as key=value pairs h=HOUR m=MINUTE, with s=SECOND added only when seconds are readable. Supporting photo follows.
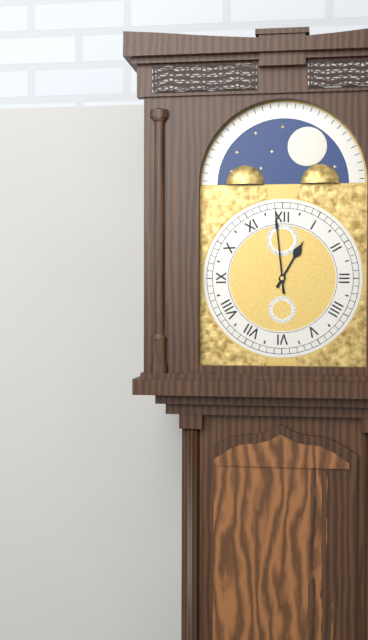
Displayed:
h=12 m=59
